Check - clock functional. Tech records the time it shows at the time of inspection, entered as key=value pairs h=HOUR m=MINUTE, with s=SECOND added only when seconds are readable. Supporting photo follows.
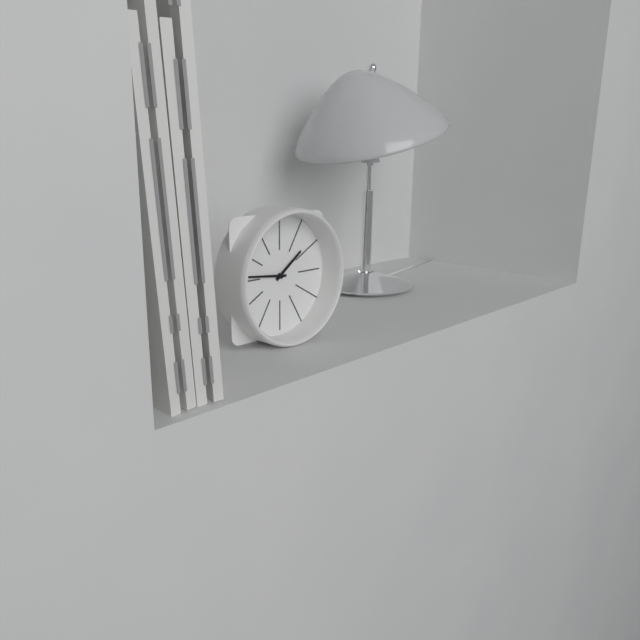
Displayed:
h=1 m=46
